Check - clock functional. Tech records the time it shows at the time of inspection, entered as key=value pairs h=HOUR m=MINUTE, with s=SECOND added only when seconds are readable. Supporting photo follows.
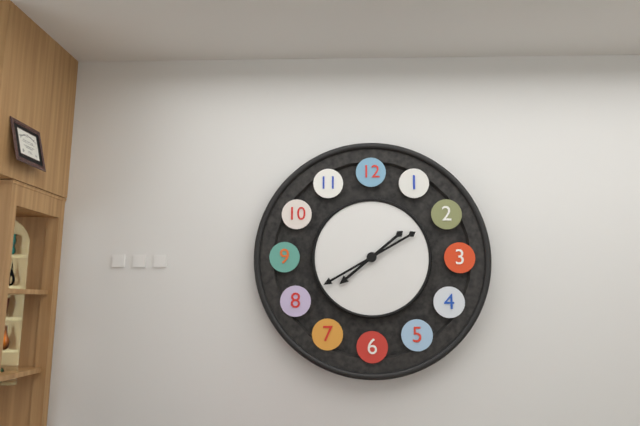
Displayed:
h=7 m=40
